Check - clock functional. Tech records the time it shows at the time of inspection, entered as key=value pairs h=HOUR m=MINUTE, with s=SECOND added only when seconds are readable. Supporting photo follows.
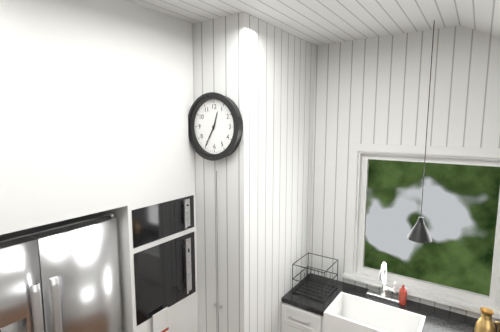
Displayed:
h=12 m=35
